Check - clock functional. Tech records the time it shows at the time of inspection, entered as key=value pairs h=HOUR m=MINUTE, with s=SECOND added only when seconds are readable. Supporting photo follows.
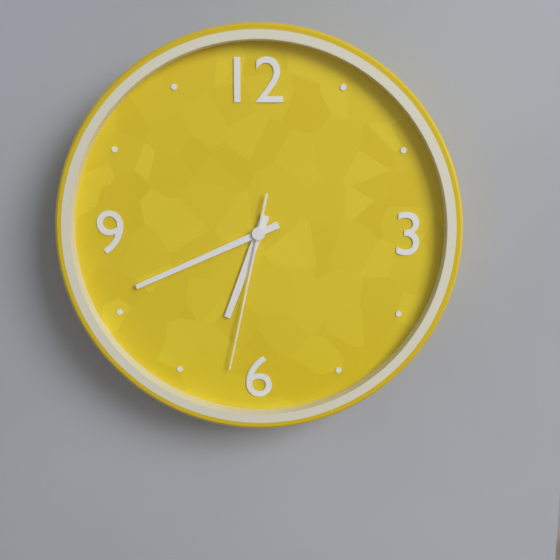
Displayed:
h=6 m=41 s=32
